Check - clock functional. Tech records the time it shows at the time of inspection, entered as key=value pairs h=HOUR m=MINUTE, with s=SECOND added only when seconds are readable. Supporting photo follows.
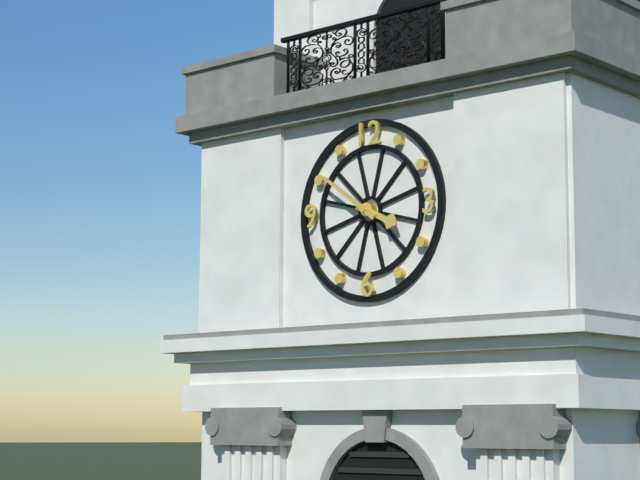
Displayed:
h=3 m=51
